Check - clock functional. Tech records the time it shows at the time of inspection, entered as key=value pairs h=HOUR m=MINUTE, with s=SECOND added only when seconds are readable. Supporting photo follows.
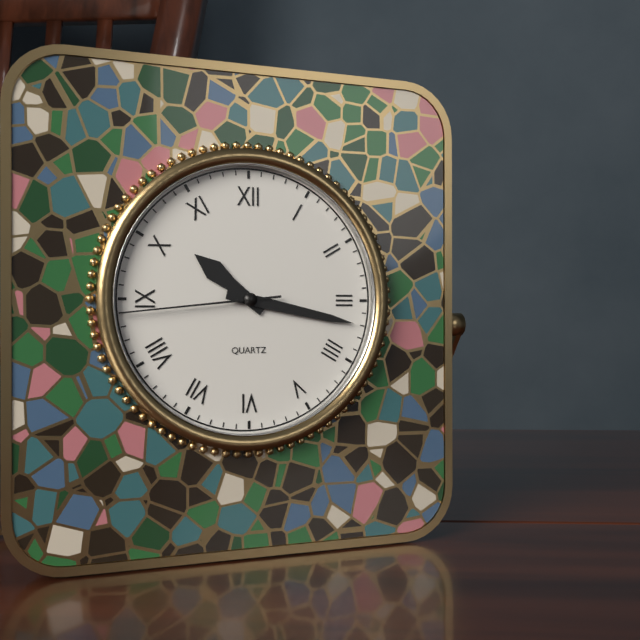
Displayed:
h=10 m=17 s=44
